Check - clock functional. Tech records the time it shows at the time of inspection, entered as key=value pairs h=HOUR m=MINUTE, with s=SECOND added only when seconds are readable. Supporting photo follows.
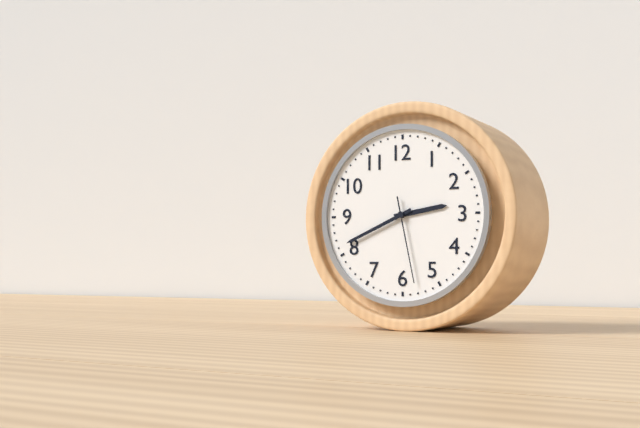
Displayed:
h=2 m=41 s=28
